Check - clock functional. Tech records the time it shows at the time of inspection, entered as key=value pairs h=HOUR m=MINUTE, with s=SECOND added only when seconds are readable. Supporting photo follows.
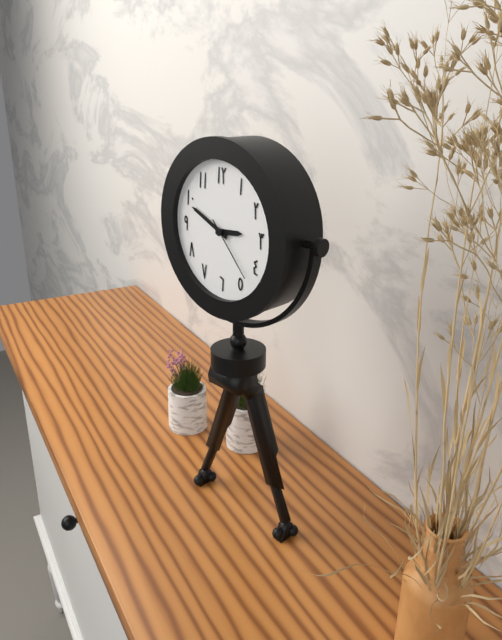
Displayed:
h=2 m=49 s=23
